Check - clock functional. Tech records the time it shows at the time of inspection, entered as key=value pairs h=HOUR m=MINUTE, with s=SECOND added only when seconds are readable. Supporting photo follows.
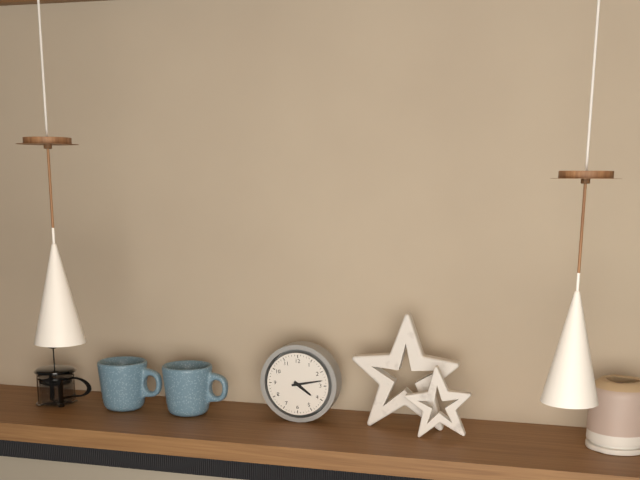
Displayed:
h=4 m=13
